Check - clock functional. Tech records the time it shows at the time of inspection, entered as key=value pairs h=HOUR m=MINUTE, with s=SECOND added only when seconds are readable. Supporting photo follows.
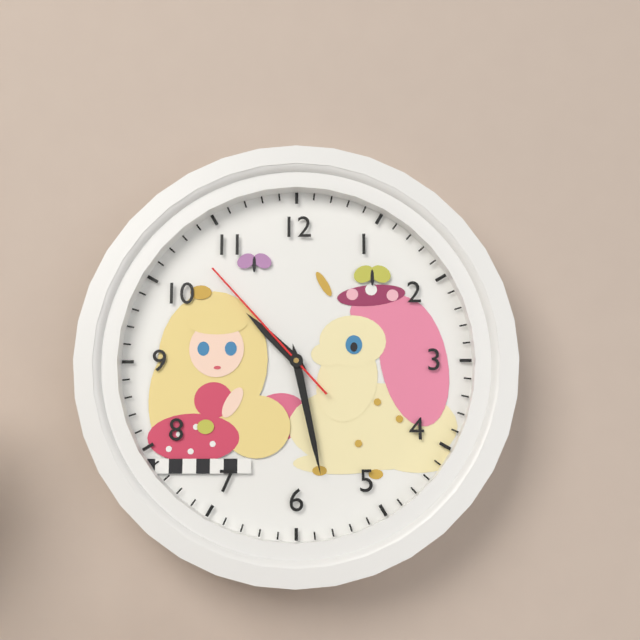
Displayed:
h=10 m=28 s=53
